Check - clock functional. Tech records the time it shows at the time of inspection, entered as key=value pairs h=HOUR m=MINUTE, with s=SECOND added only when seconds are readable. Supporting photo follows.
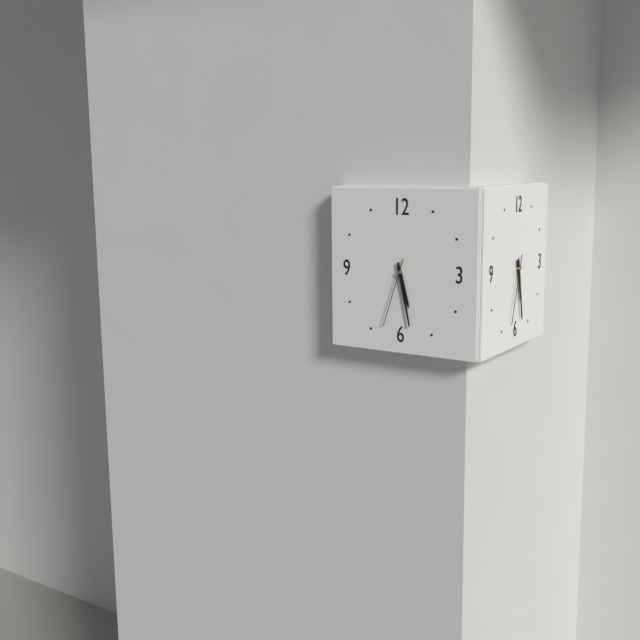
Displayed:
h=5 m=28 s=33
